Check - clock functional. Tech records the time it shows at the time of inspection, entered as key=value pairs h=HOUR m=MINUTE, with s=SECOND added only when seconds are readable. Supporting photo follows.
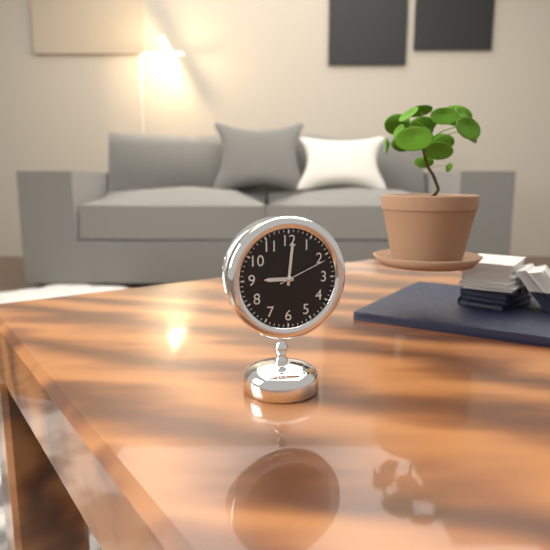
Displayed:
h=9 m=1 s=11
